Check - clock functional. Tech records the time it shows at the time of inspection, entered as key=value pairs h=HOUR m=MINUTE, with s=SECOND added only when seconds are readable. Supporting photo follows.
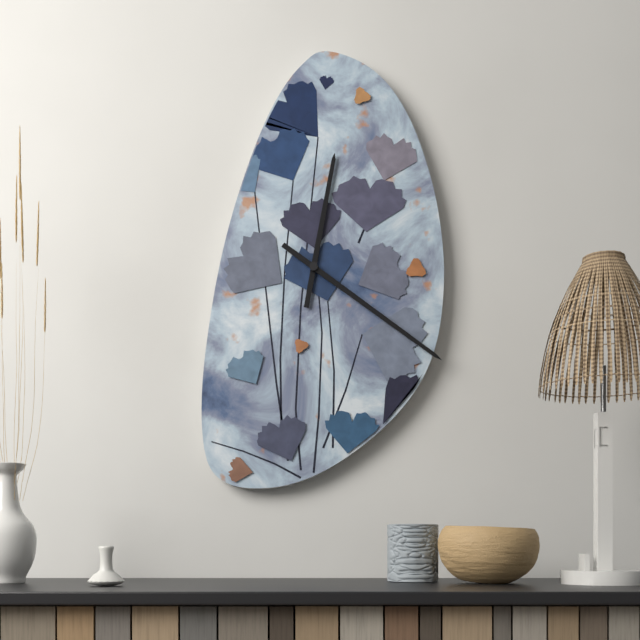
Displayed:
h=12 m=21
